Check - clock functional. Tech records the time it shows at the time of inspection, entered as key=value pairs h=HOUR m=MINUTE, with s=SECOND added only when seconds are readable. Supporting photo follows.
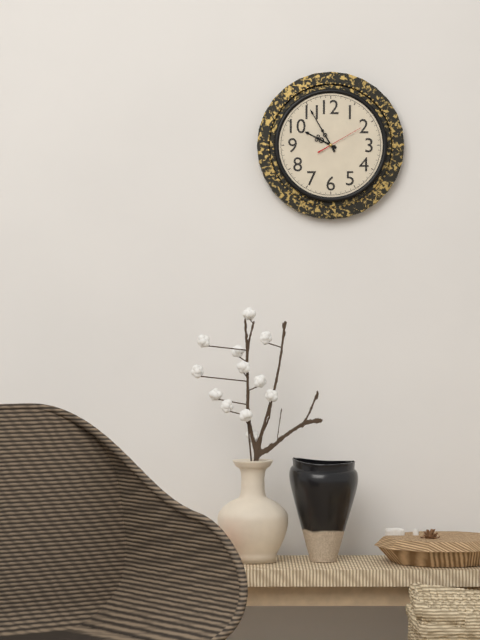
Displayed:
h=9 m=55
